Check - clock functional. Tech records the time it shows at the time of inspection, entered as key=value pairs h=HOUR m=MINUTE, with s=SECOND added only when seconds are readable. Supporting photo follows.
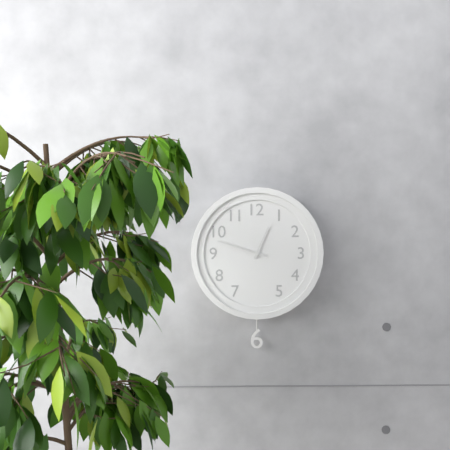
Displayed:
h=12 m=48
